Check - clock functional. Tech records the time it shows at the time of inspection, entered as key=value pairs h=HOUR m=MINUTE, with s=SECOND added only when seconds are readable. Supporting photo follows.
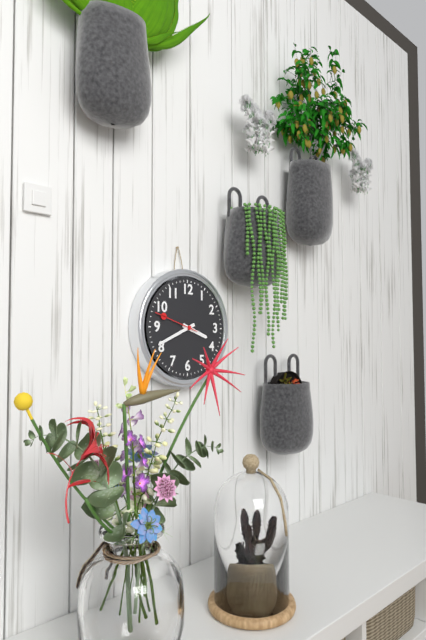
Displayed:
h=3 m=41
